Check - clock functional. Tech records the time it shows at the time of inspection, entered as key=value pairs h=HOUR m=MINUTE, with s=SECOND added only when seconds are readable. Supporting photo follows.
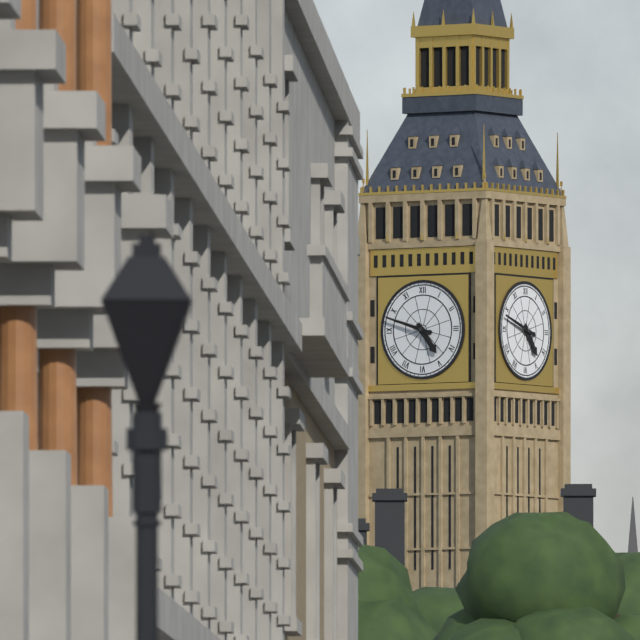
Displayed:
h=4 m=48
